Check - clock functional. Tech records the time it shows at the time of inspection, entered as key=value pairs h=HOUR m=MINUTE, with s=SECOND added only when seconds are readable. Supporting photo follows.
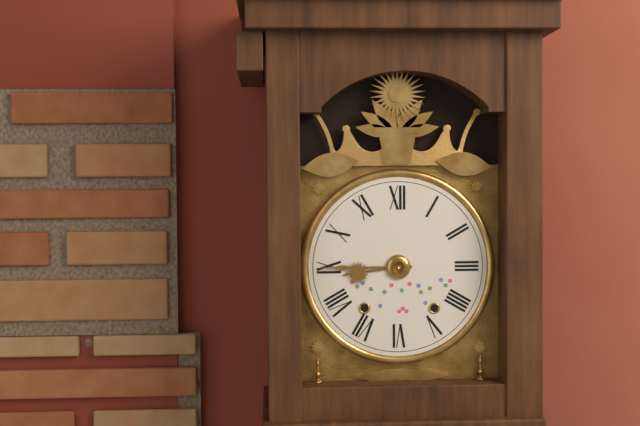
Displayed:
h=8 m=45
